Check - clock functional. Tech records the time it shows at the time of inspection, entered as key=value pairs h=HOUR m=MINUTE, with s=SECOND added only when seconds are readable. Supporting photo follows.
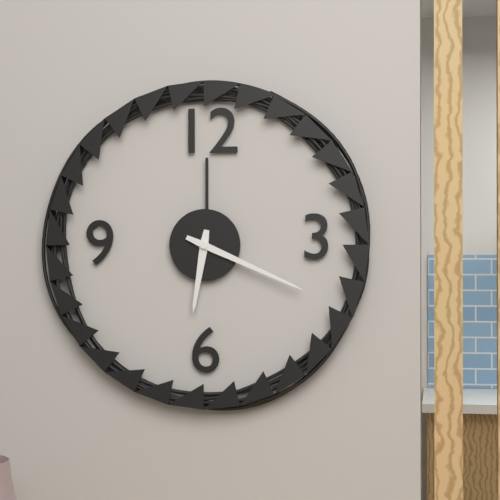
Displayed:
h=6 m=19
